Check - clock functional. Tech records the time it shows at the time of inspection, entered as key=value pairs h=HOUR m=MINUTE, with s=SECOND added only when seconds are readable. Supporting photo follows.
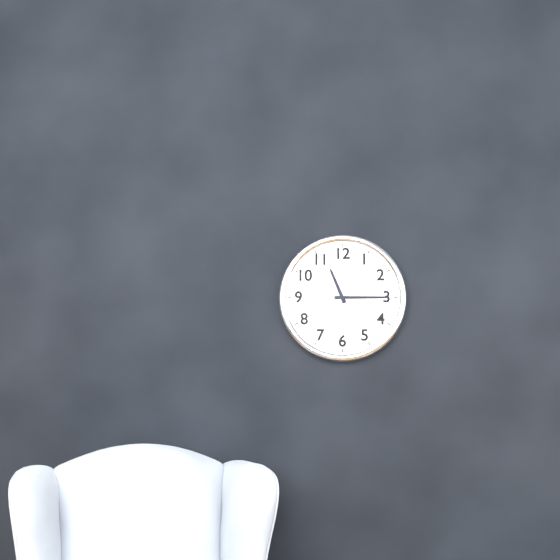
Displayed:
h=11 m=15
